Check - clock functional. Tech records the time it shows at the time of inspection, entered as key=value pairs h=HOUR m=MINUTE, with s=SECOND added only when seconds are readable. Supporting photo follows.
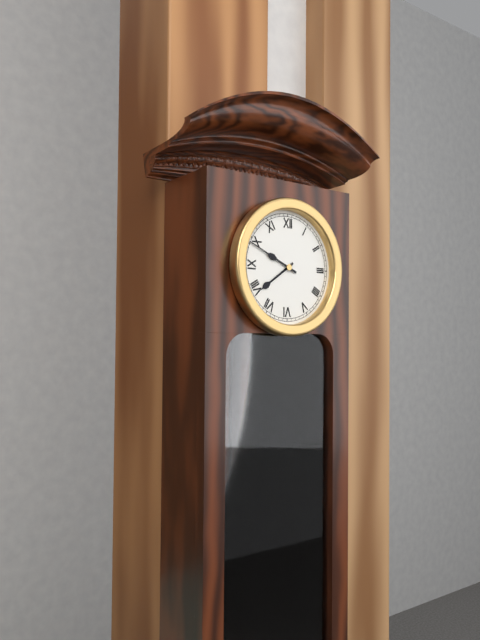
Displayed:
h=7 m=49
